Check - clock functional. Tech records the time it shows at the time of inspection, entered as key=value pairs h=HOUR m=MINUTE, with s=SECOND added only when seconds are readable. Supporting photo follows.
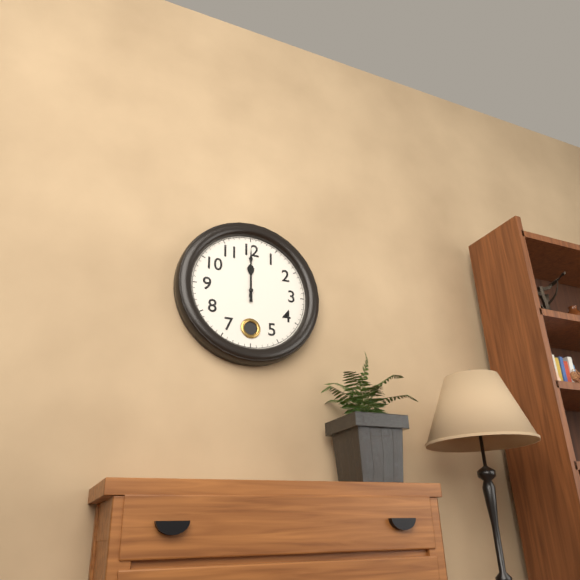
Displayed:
h=12 m=0
